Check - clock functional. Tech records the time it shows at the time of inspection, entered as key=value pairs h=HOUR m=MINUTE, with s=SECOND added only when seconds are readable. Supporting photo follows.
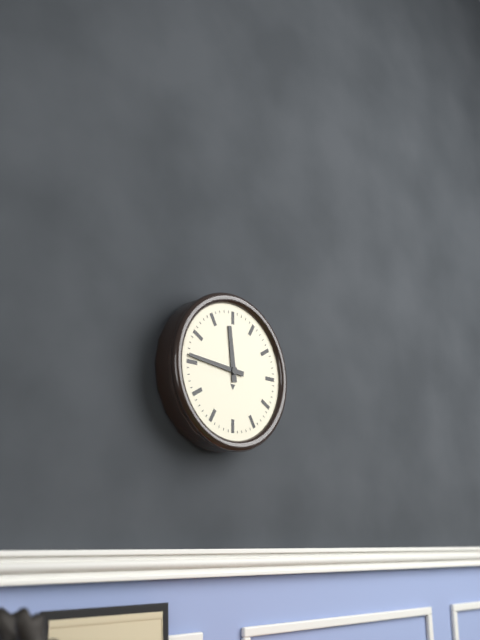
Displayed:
h=11 m=46
